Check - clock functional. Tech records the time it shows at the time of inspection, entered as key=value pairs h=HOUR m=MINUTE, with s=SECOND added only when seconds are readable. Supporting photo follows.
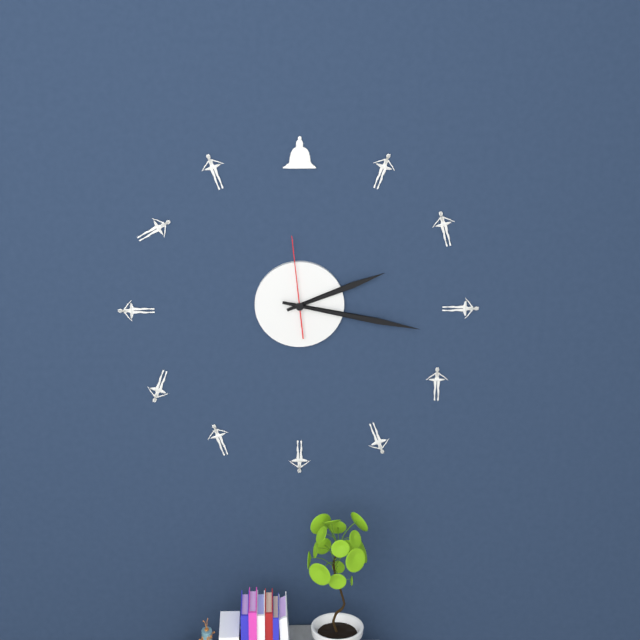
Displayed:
h=2 m=17 s=59
